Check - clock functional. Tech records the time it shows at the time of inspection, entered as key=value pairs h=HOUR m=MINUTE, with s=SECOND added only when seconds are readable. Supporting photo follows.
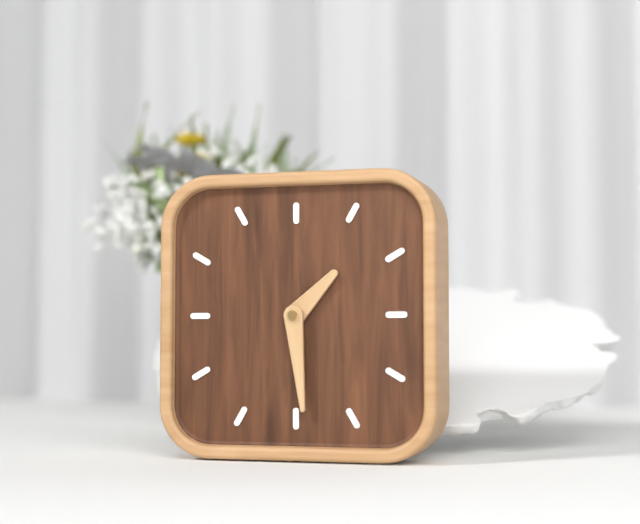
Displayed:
h=1 m=29
